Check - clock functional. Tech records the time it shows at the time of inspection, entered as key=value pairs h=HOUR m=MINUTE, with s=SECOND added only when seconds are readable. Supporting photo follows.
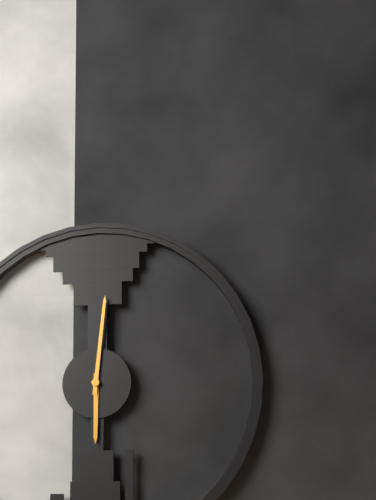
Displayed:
h=6 m=1
